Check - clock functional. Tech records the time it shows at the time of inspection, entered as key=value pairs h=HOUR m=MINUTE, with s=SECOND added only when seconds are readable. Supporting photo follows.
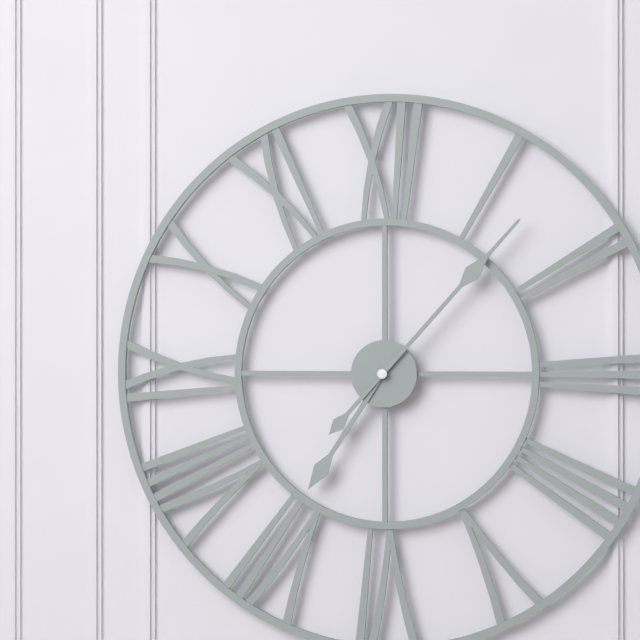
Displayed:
h=7 m=7
